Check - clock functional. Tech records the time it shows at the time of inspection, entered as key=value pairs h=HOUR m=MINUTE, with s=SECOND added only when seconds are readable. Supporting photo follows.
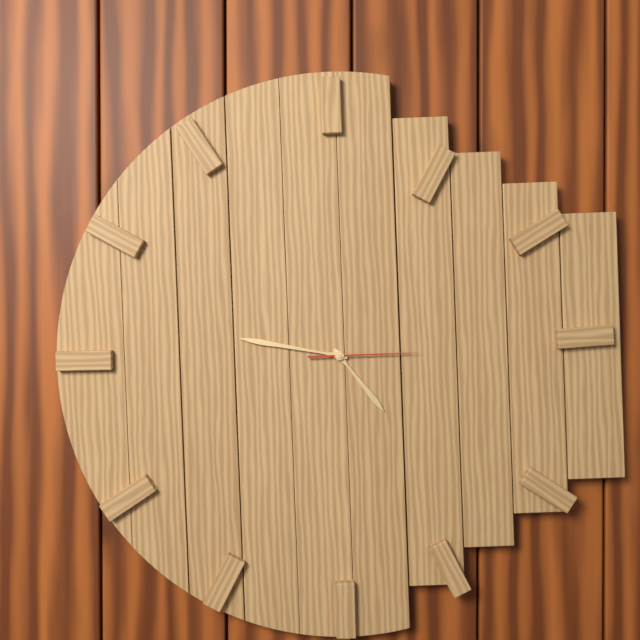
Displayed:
h=4 m=47 s=15
